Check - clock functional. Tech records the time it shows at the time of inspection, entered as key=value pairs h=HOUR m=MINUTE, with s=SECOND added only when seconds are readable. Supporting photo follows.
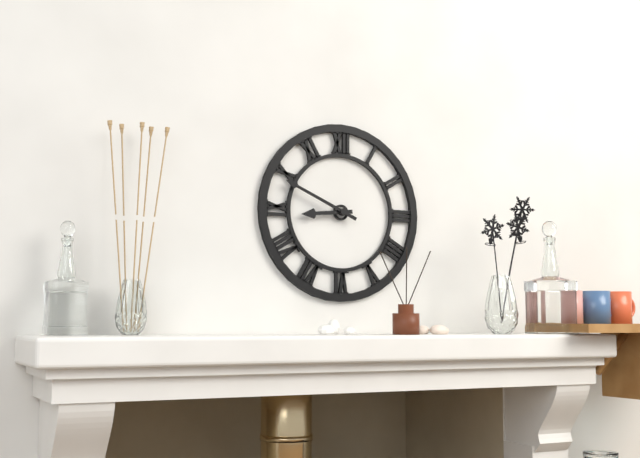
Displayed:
h=8 m=49
